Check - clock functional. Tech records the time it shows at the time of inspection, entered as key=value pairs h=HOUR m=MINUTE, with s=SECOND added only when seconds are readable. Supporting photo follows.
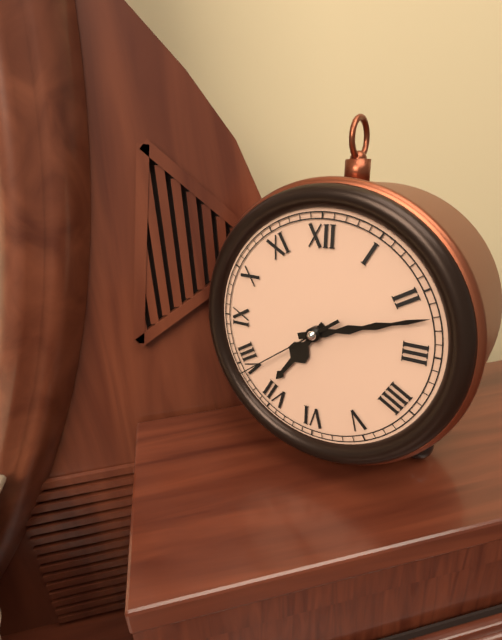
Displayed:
h=7 m=12 s=39
